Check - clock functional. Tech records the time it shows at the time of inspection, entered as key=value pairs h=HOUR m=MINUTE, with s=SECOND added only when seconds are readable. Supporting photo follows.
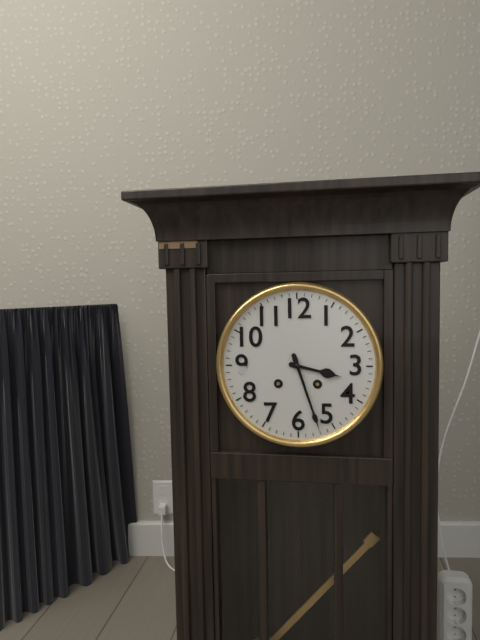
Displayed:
h=3 m=27
